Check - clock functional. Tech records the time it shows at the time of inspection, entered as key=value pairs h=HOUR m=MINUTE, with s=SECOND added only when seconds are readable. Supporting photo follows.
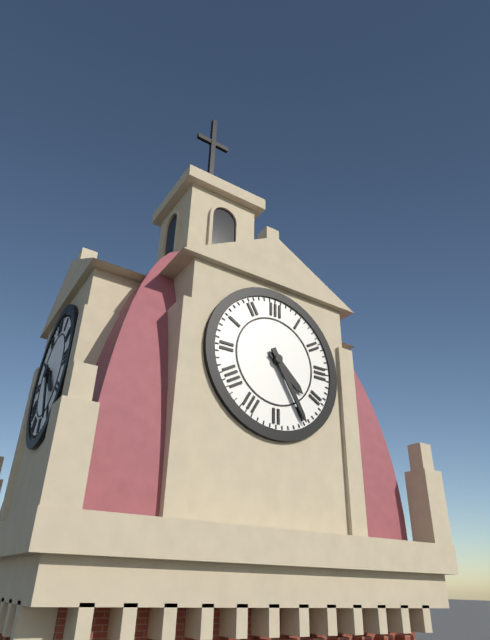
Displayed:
h=4 m=25
